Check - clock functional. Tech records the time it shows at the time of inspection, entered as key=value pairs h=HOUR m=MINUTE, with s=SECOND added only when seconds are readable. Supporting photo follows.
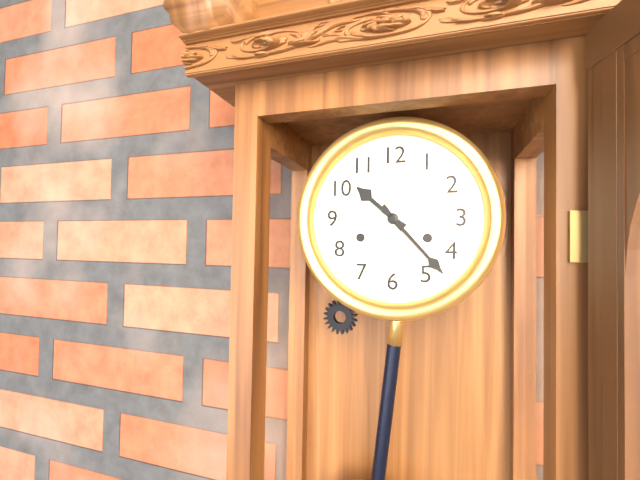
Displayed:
h=10 m=23
